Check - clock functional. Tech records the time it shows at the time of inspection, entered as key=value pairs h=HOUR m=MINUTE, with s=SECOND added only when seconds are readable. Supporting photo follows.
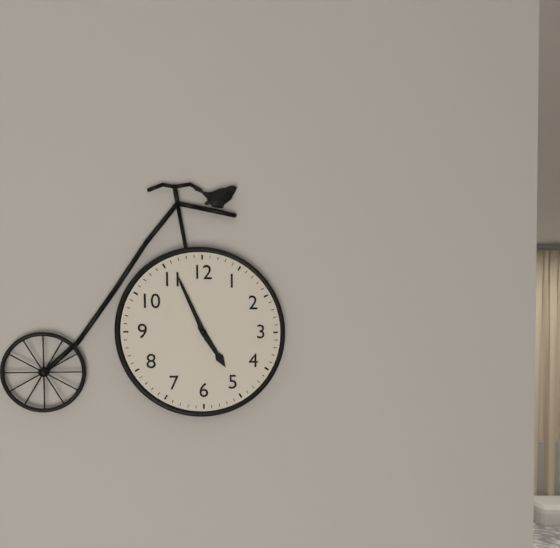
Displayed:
h=4 m=56
